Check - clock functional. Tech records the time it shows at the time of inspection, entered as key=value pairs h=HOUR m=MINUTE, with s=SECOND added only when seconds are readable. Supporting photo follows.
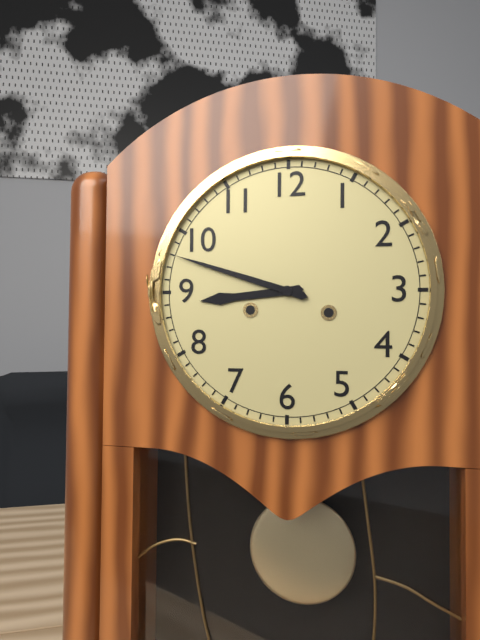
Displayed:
h=8 m=48
